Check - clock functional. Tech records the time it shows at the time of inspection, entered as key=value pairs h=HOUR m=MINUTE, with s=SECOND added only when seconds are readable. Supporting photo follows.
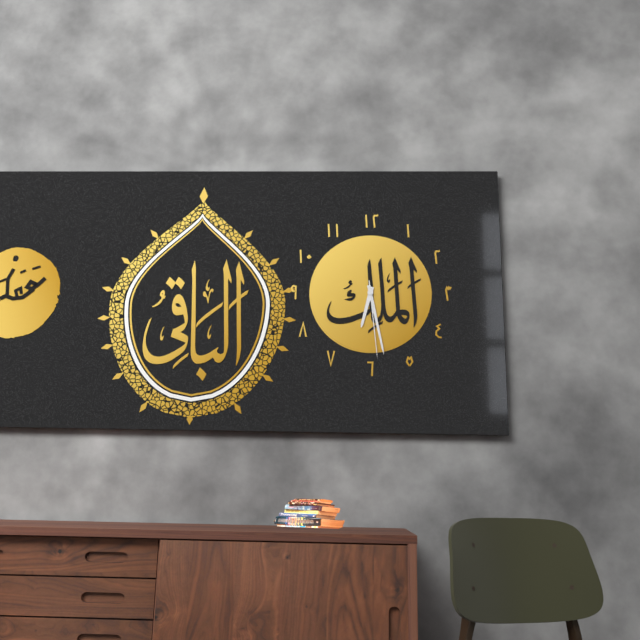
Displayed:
h=6 m=28 s=29
